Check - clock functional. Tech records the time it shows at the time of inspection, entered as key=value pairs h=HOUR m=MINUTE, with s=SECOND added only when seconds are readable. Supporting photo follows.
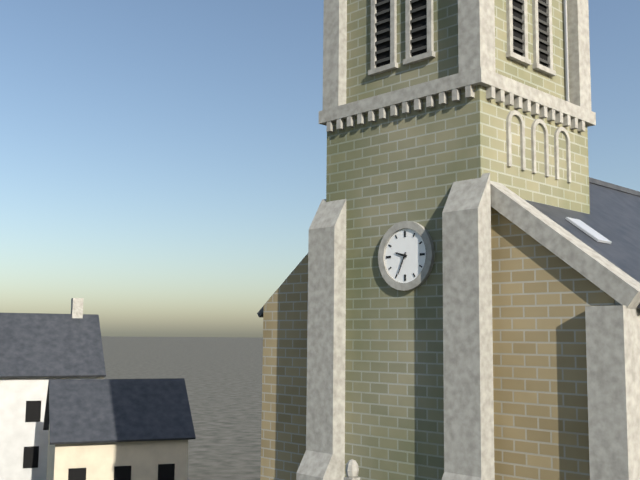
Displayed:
h=9 m=34
